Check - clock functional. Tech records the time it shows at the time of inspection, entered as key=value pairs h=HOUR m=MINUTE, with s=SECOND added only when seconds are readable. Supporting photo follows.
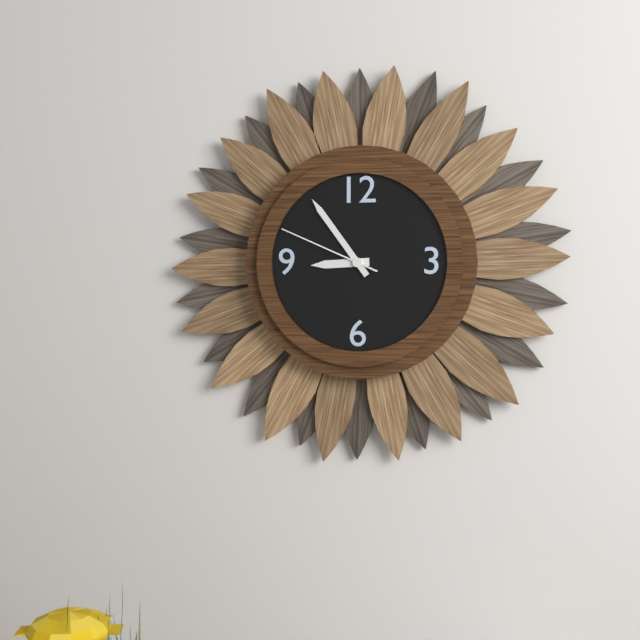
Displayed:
h=8 m=54 s=49
